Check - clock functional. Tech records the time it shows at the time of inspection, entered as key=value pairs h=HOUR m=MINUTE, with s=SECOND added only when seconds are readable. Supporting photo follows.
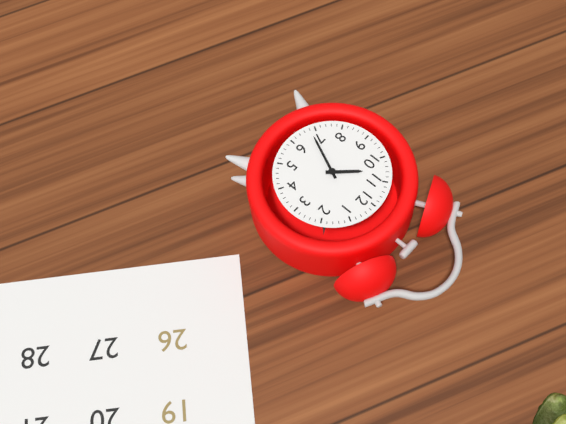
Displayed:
h=10 m=34
